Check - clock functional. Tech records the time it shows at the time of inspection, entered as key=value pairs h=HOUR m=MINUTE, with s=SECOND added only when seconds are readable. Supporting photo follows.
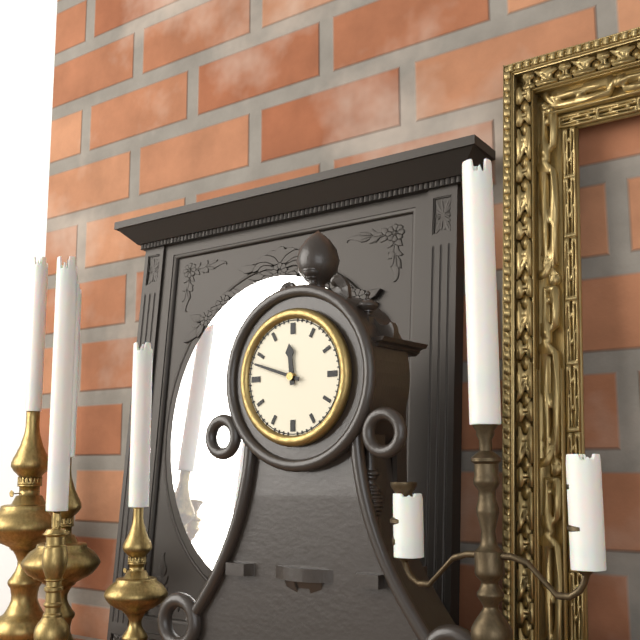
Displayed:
h=11 m=48
